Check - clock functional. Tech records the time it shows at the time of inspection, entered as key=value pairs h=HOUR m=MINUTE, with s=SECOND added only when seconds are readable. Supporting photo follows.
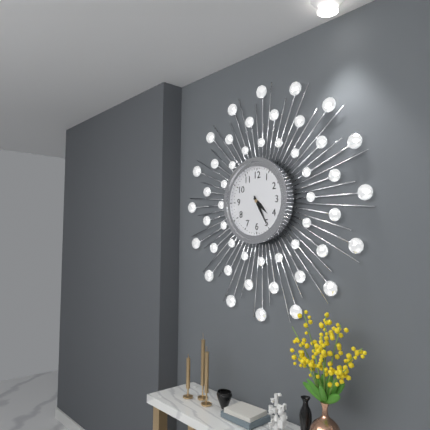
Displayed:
h=4 m=25
